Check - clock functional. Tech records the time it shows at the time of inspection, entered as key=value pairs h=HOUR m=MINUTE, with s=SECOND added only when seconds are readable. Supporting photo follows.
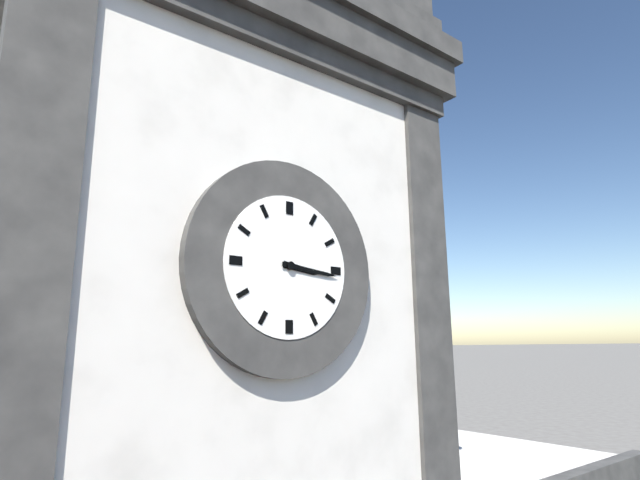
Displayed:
h=3 m=16
